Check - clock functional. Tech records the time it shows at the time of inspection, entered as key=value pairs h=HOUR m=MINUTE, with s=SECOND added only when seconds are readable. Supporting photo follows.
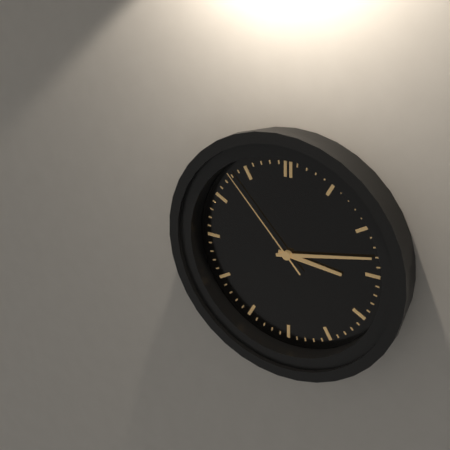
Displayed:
h=3 m=13 s=53
